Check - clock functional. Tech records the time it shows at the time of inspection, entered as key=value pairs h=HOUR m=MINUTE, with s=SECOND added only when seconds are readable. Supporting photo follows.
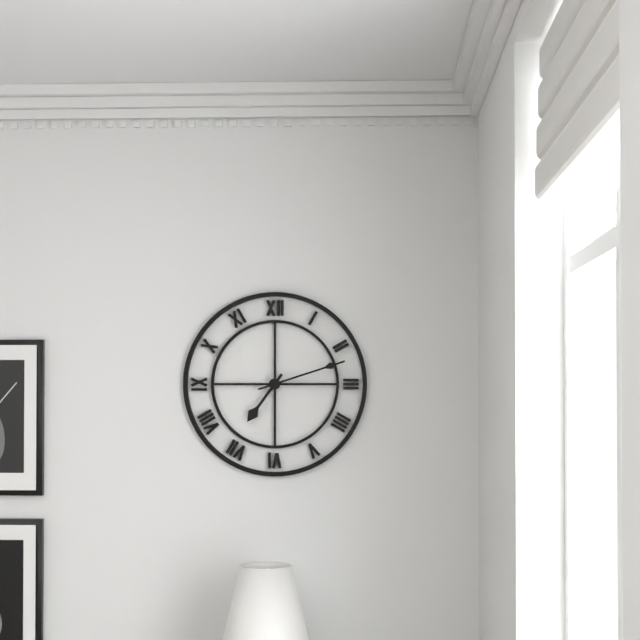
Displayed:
h=7 m=12
